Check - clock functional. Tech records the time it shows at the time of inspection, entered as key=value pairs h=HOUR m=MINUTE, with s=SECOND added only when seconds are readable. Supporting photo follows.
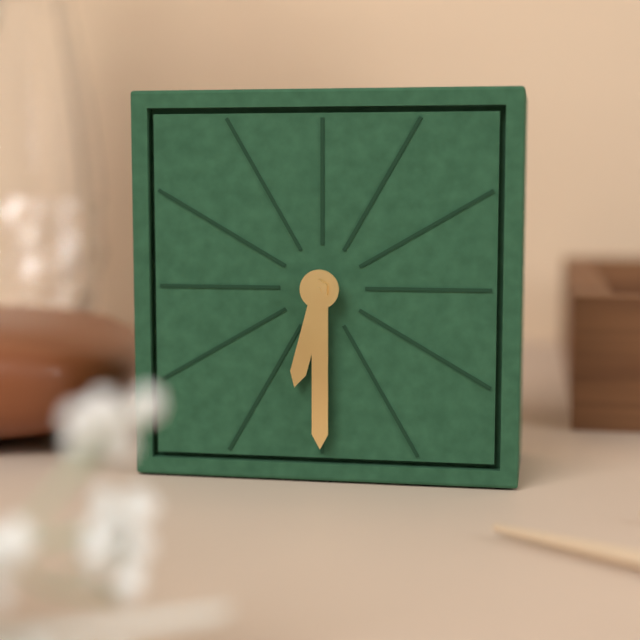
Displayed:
h=6 m=30
